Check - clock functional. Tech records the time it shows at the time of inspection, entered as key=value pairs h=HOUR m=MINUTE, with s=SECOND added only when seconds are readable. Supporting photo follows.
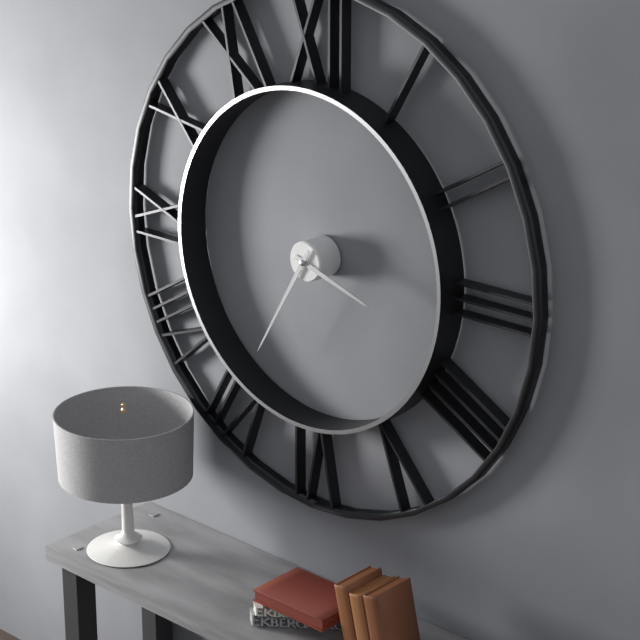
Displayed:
h=3 m=35
